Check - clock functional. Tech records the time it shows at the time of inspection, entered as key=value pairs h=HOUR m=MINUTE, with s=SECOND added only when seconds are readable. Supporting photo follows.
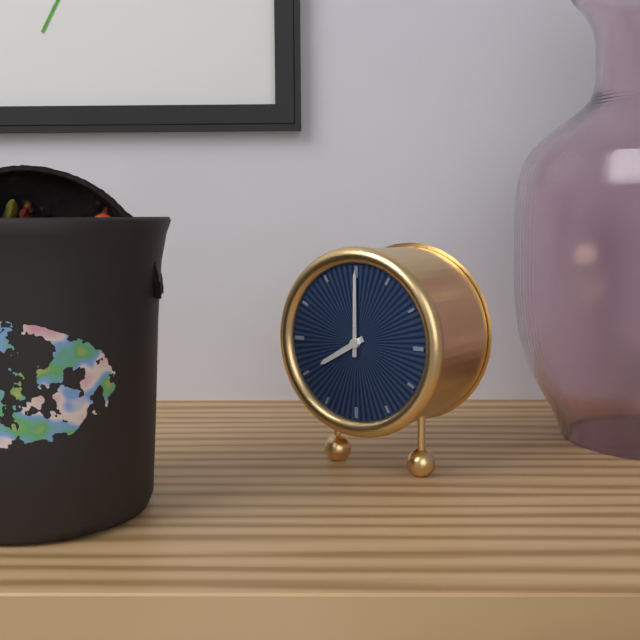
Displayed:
h=8 m=0
